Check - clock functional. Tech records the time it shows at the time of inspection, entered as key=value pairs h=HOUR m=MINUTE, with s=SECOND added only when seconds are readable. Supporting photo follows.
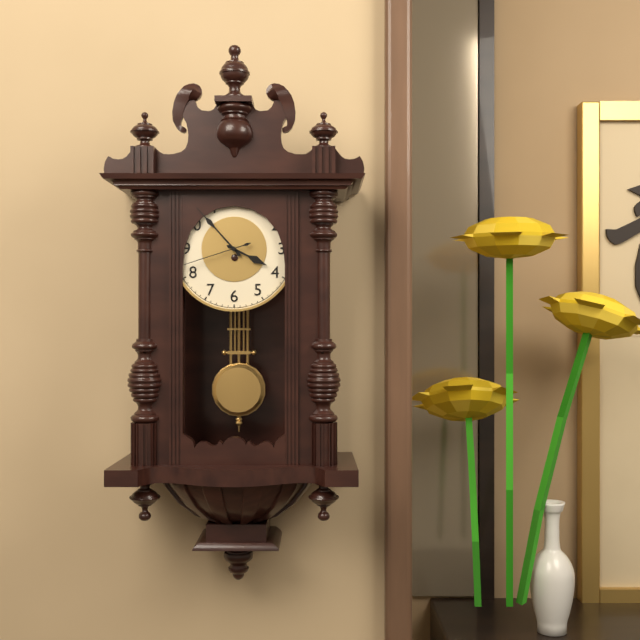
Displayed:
h=3 m=53 s=42
